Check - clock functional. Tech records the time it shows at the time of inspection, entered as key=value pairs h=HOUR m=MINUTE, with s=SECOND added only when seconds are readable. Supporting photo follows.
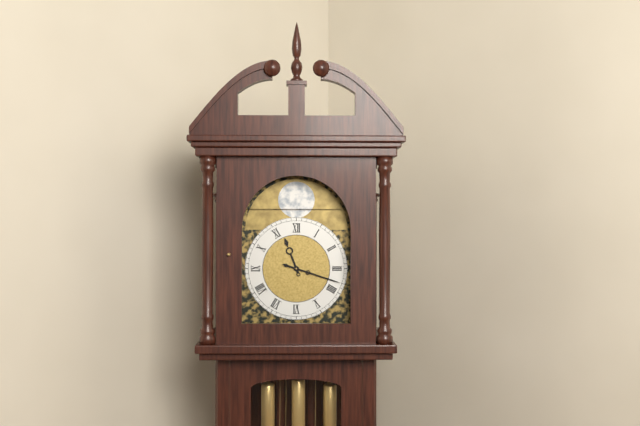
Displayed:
h=11 m=18
